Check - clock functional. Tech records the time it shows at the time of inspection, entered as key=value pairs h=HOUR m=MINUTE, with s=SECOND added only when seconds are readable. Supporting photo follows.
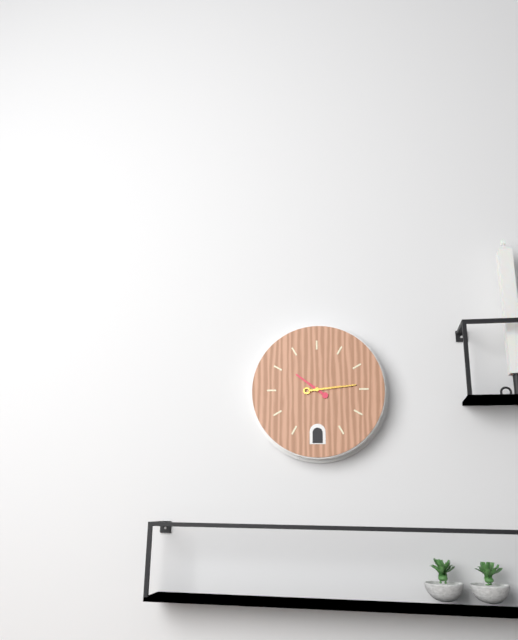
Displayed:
h=10 m=14
